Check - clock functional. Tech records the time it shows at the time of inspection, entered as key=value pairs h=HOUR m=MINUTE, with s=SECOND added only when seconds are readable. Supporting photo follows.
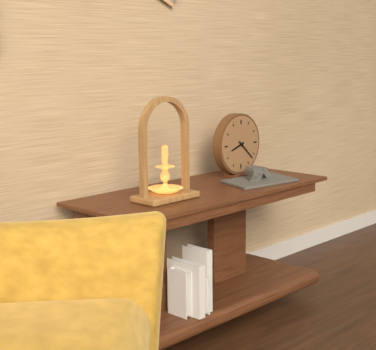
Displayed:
h=8 m=22
